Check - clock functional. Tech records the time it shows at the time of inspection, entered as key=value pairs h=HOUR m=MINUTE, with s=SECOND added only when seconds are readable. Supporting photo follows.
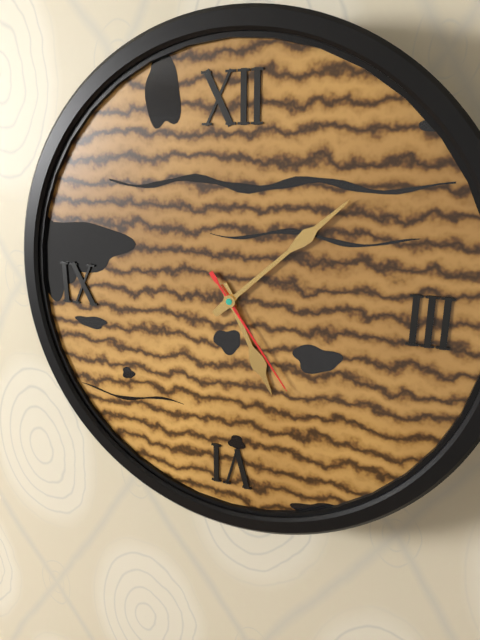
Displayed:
h=5 m=8 s=24
